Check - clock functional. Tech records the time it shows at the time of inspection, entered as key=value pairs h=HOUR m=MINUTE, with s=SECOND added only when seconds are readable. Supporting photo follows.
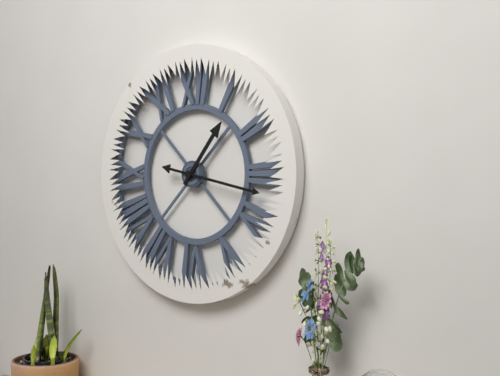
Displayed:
h=1 m=17
